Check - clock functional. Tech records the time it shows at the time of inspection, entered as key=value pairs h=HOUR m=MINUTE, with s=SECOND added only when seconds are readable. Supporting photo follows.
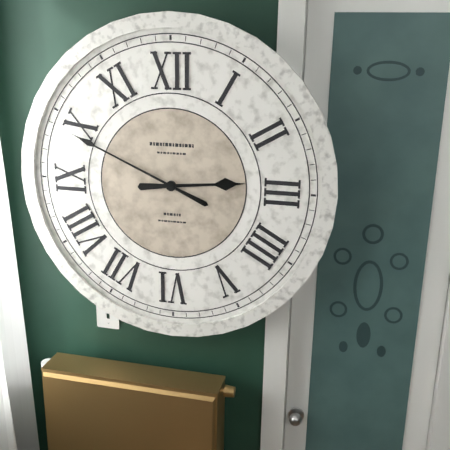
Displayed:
h=2 m=49
